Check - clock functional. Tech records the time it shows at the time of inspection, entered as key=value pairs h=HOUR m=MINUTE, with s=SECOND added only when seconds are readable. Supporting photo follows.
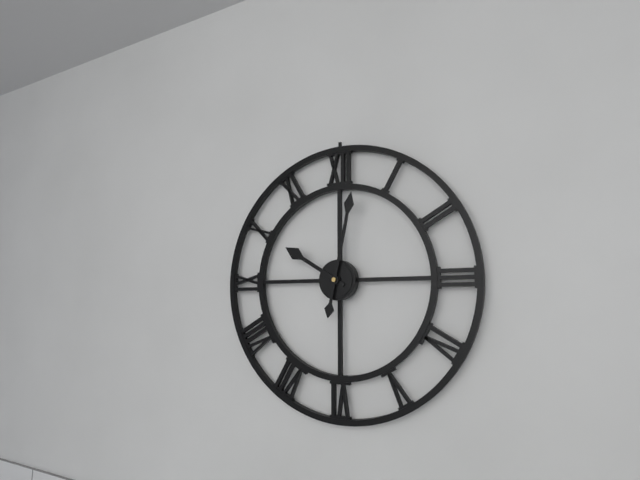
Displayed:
h=10 m=2
